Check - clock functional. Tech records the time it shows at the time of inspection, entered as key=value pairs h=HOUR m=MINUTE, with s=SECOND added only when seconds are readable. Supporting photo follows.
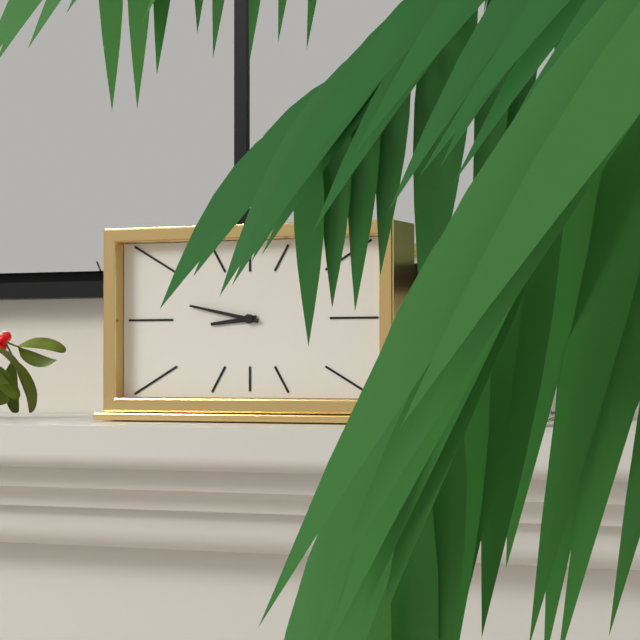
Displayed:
h=8 m=47
